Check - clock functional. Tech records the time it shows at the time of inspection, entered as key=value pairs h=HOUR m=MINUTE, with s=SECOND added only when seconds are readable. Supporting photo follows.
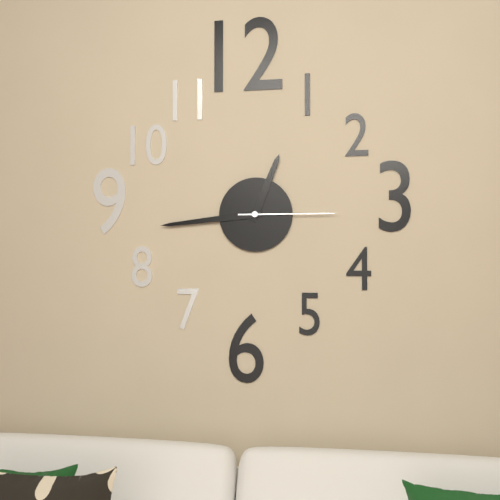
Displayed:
h=12 m=44 s=15
